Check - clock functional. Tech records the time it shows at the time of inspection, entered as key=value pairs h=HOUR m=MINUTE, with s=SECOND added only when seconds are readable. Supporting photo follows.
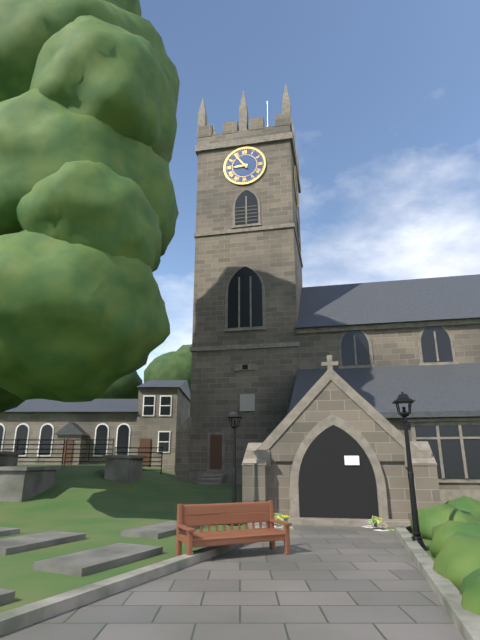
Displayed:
h=8 m=54
